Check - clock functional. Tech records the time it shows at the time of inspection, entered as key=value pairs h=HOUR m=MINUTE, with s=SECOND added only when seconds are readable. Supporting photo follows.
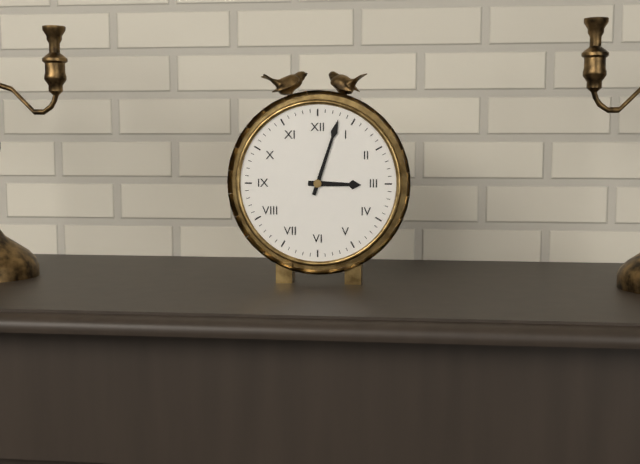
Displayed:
h=3 m=3
